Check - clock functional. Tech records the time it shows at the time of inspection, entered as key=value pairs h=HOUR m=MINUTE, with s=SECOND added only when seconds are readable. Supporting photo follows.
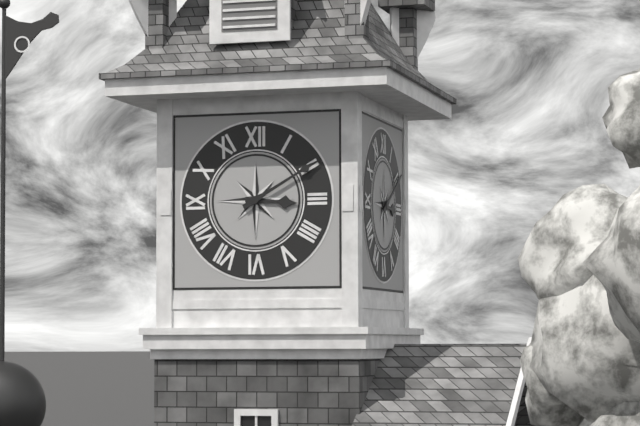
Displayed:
h=3 m=10
